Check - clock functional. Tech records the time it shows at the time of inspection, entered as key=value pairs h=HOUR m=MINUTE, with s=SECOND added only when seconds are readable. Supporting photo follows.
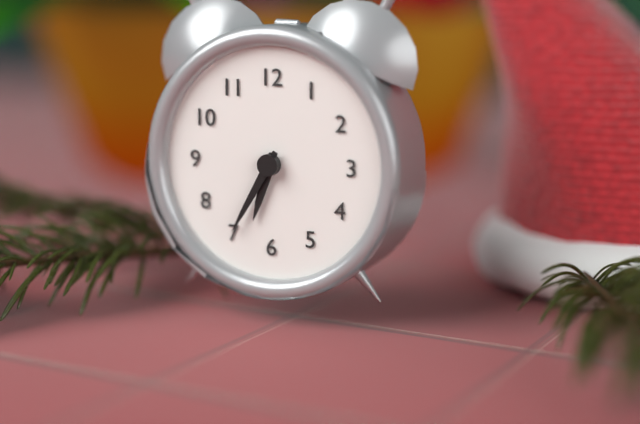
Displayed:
h=6 m=35
